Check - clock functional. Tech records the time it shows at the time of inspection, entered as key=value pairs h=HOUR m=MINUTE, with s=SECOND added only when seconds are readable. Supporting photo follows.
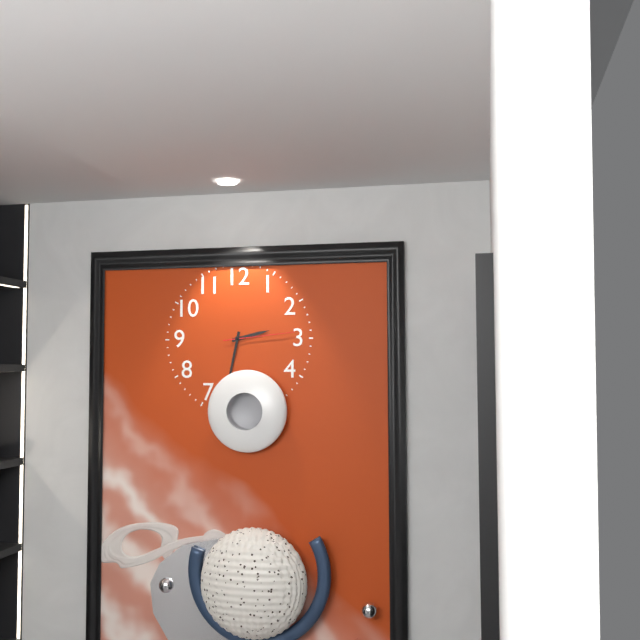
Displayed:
h=2 m=32 s=14
